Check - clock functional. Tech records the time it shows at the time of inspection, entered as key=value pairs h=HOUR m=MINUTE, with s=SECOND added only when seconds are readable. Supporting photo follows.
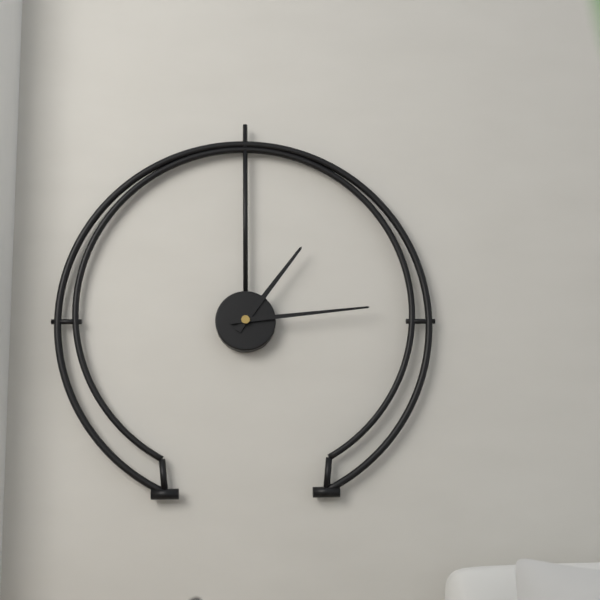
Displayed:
h=1 m=14
